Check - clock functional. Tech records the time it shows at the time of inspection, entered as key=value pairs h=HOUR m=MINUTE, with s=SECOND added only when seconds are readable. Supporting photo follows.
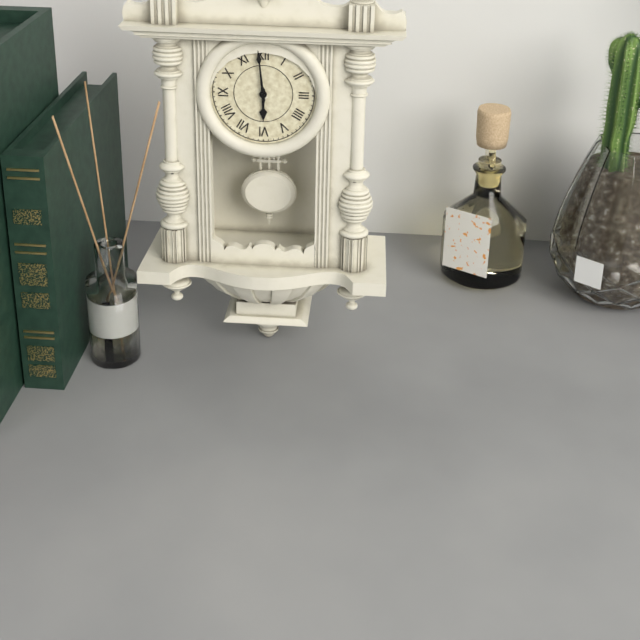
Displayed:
h=5 m=59
